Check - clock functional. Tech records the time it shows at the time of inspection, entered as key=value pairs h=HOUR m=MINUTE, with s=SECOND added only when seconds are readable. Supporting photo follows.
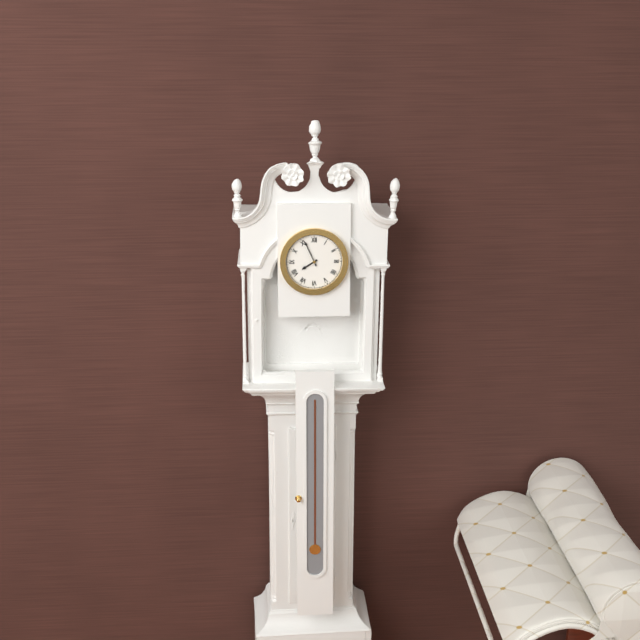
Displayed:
h=7 m=56
